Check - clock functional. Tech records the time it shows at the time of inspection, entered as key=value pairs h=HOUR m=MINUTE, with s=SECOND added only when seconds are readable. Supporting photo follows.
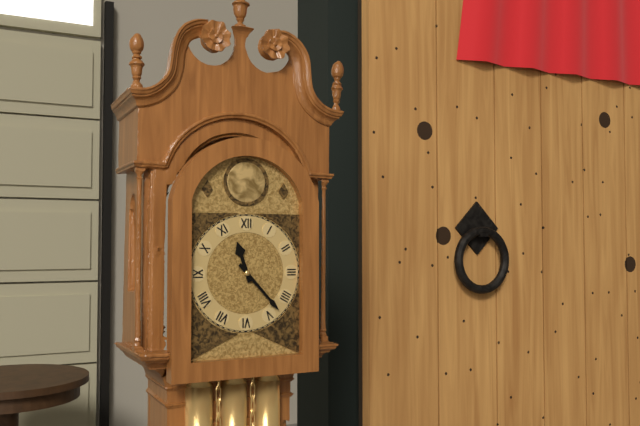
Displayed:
h=11 m=23
